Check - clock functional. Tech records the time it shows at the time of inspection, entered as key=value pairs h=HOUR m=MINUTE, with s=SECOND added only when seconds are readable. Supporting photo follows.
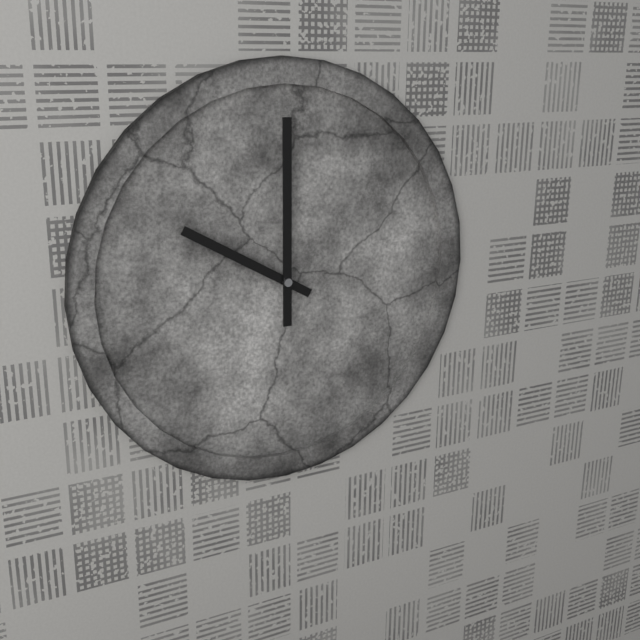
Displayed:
h=10 m=0
